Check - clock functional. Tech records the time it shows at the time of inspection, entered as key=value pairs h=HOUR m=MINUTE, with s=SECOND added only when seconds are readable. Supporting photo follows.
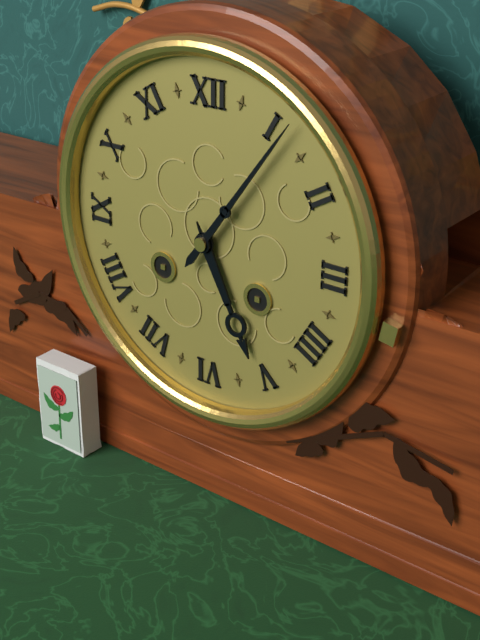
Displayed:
h=5 m=6
